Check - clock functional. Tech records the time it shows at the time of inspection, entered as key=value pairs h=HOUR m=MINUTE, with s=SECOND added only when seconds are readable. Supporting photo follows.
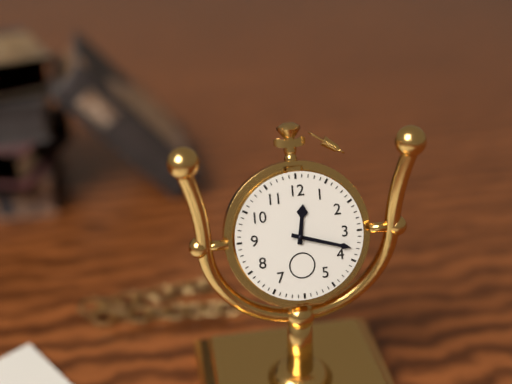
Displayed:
h=12 m=18
